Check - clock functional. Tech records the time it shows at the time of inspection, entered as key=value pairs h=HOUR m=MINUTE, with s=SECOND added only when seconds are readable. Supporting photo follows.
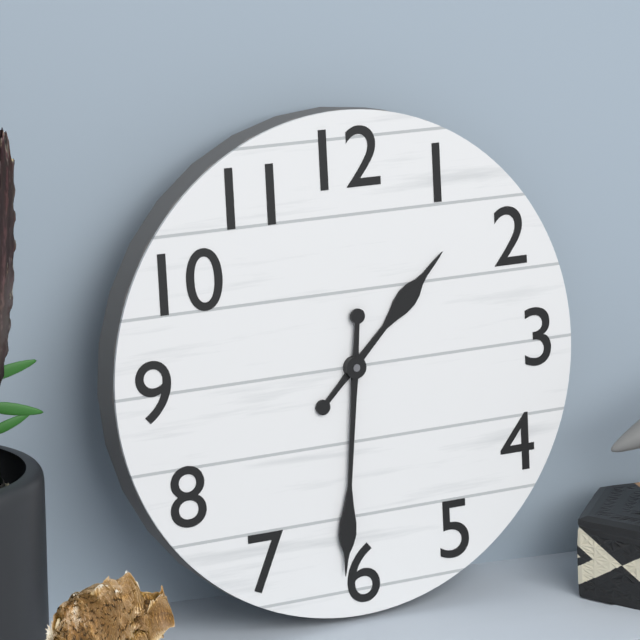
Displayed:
h=1 m=31
